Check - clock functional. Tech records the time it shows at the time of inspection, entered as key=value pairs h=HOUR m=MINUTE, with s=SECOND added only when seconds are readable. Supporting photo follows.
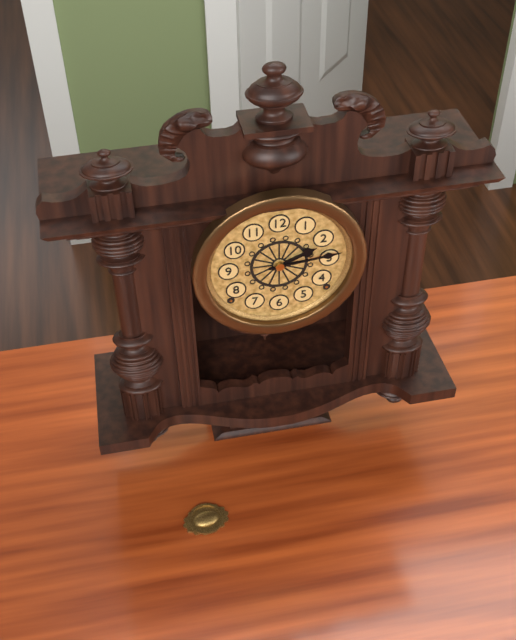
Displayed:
h=2 m=14
